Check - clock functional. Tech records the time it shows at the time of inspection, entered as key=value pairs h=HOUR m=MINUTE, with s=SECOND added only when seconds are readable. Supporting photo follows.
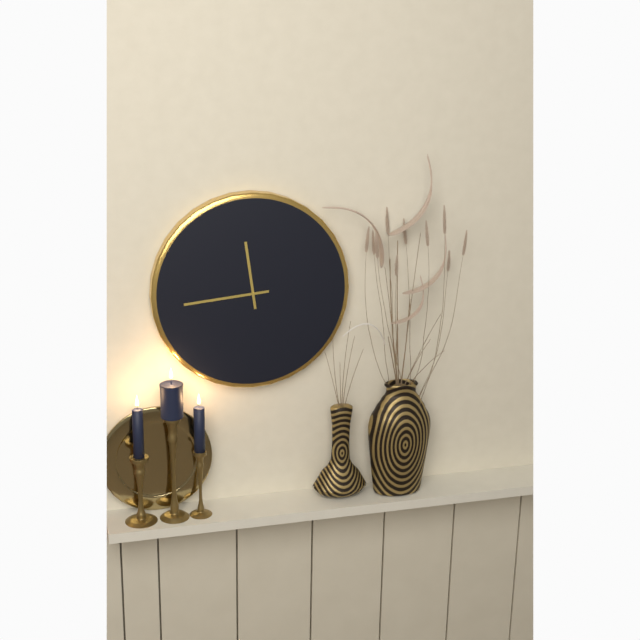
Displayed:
h=11 m=44
